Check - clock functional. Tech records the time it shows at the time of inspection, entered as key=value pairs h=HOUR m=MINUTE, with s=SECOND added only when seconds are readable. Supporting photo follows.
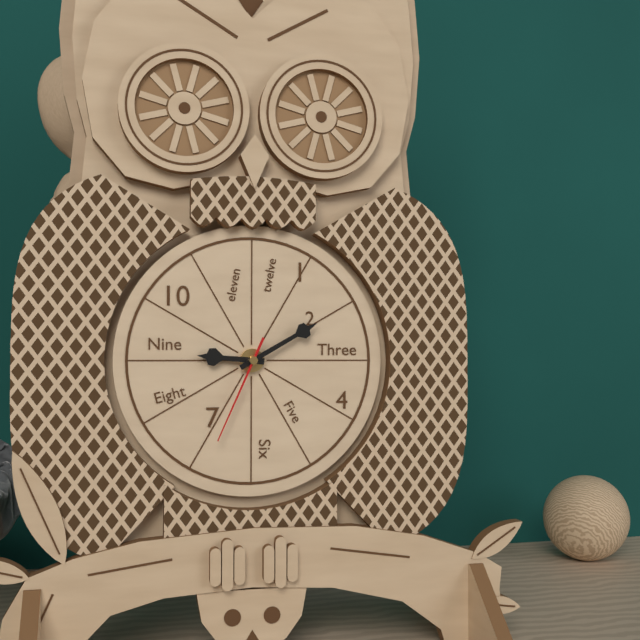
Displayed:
h=9 m=10 s=34
